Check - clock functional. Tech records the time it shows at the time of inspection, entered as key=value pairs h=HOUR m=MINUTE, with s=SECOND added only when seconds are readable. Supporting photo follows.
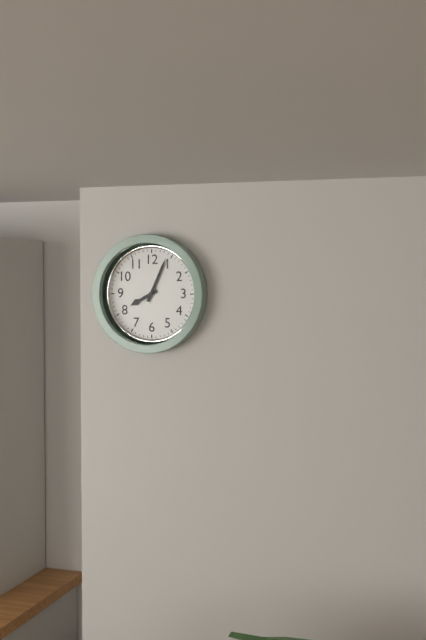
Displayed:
h=8 m=4
